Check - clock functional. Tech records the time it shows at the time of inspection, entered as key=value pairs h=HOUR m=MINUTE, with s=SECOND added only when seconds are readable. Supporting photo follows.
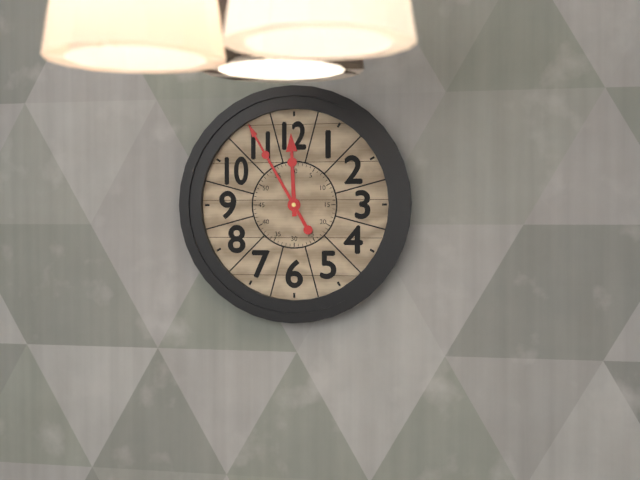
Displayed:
h=11 m=55
